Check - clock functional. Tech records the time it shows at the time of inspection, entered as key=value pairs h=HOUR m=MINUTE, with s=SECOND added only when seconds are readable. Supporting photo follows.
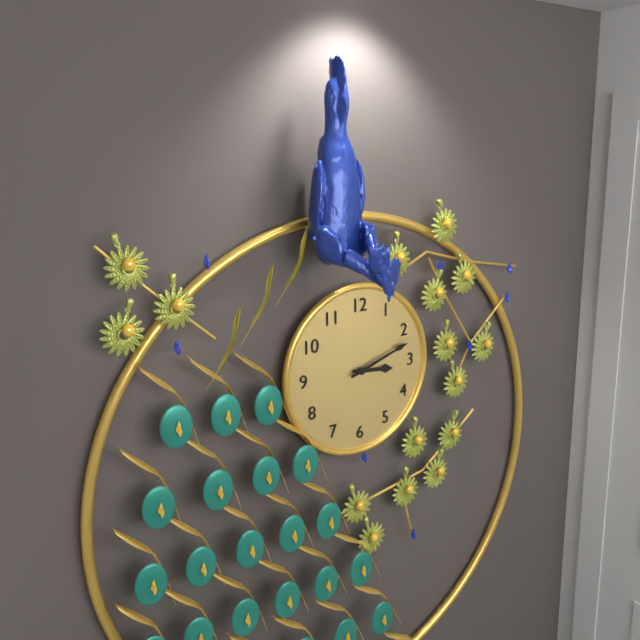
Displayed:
h=3 m=12
